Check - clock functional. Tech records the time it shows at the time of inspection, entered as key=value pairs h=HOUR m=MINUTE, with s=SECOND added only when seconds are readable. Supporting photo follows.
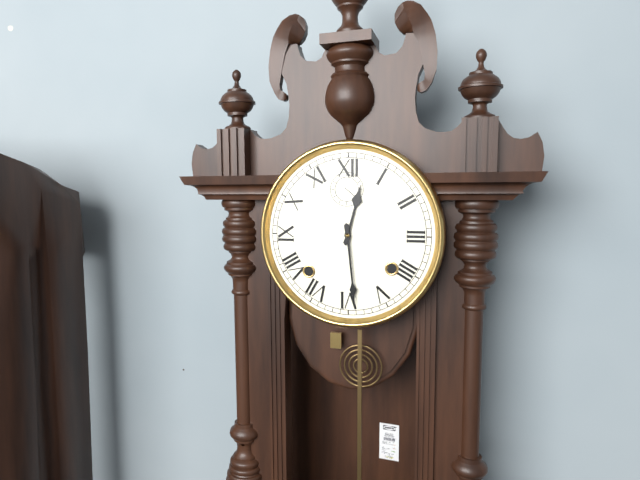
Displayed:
h=12 m=29
